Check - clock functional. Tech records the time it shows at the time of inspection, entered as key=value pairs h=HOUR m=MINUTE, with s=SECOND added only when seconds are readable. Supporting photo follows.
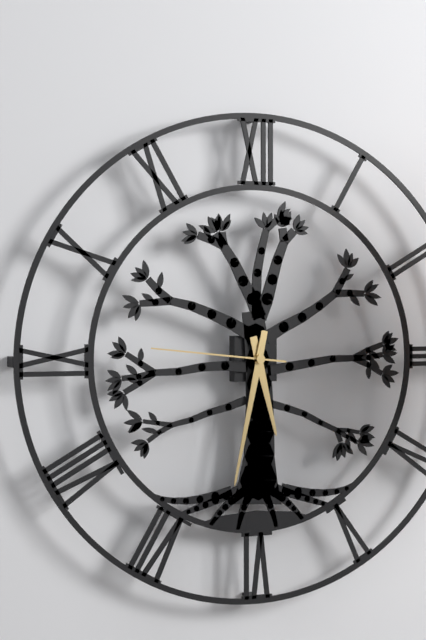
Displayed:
h=5 m=32 s=46
